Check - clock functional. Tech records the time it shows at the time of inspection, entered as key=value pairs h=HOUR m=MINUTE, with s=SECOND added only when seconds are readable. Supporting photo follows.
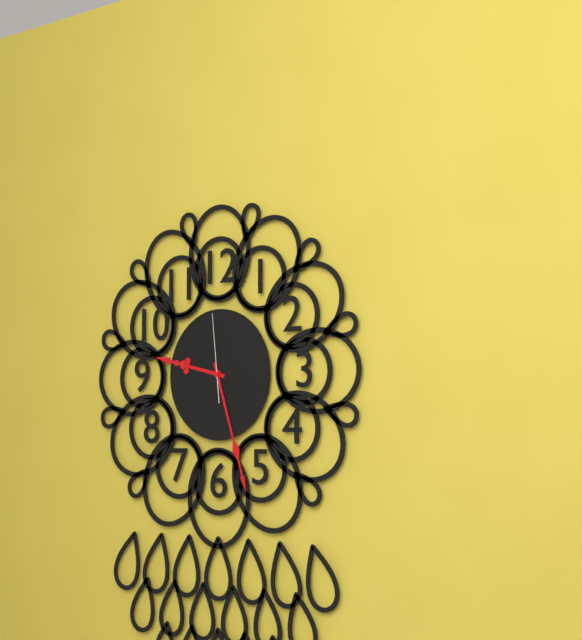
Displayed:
h=9 m=27 s=59
